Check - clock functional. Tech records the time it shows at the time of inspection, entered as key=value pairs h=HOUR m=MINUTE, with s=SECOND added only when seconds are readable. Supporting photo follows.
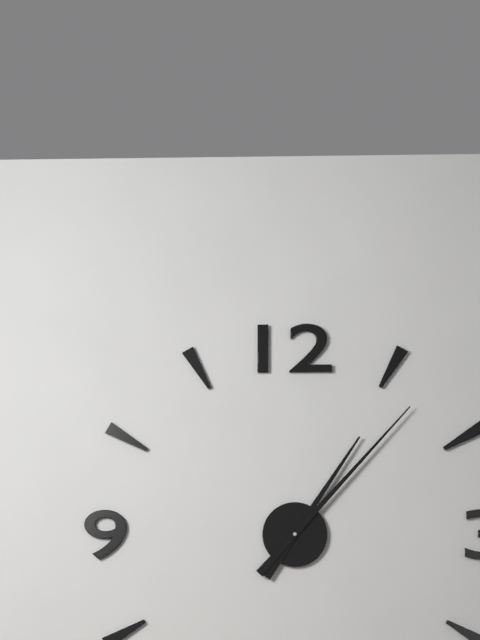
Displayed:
h=1 m=7
